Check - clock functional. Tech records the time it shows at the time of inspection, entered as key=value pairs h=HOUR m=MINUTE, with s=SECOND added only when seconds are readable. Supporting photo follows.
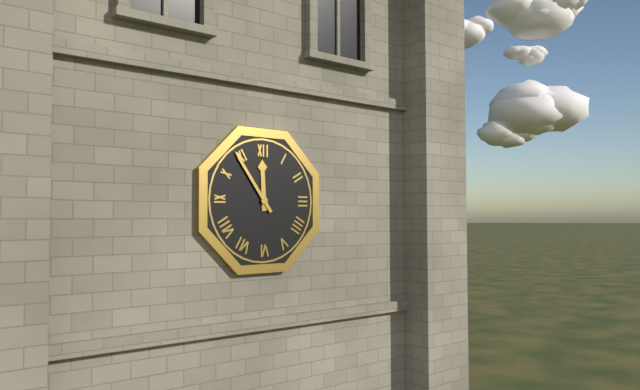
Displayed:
h=11 m=54
